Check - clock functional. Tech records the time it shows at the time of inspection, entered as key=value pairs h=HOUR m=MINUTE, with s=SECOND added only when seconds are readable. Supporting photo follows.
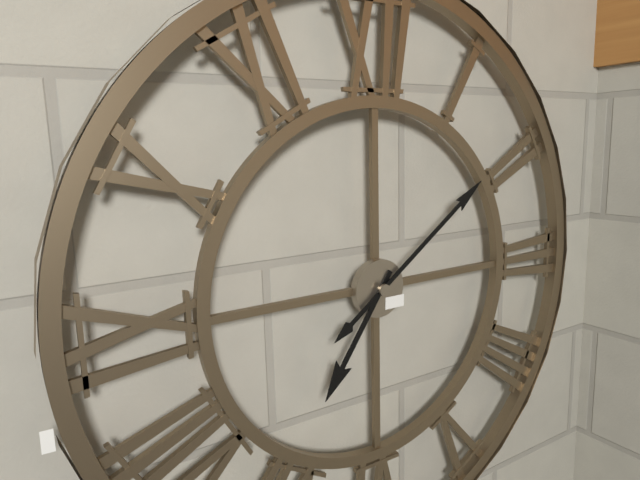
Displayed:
h=7 m=9
